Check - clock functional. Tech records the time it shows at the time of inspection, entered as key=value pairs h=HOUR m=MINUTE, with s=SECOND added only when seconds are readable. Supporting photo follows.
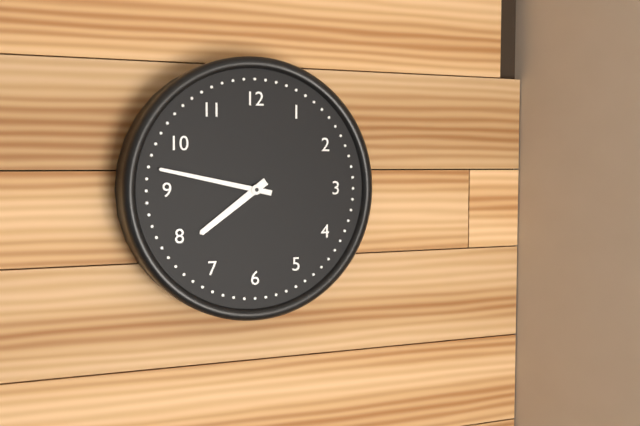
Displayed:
h=7 m=47
